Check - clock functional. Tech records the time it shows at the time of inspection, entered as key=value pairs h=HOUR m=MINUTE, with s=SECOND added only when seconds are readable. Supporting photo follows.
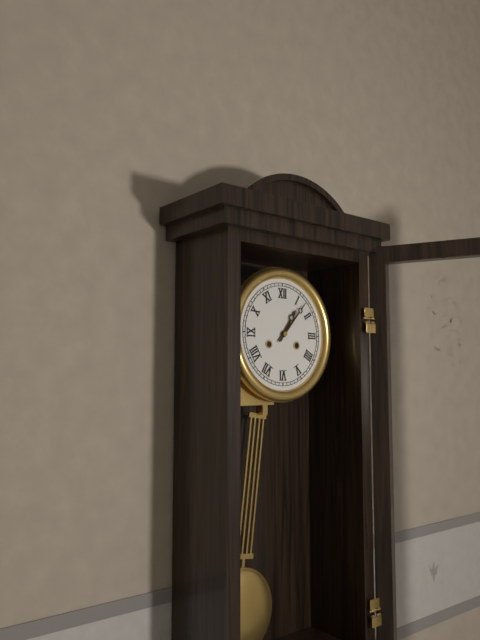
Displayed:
h=1 m=7
